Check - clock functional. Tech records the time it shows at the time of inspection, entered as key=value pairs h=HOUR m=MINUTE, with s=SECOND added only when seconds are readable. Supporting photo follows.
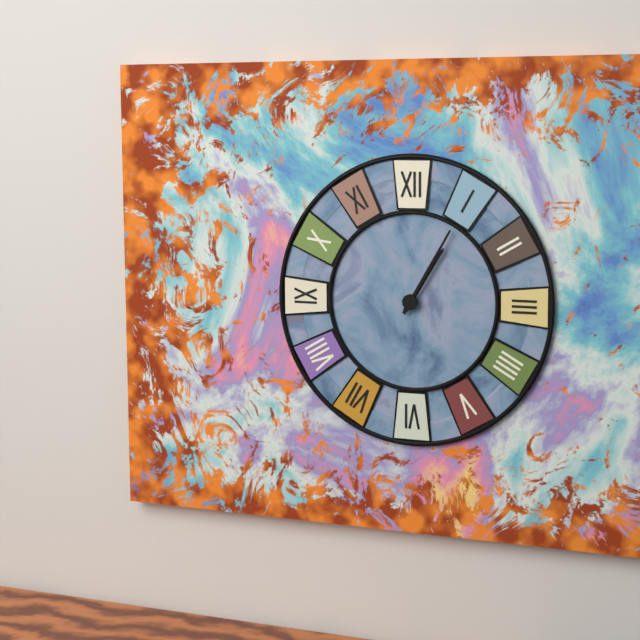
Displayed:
h=1 m=5
